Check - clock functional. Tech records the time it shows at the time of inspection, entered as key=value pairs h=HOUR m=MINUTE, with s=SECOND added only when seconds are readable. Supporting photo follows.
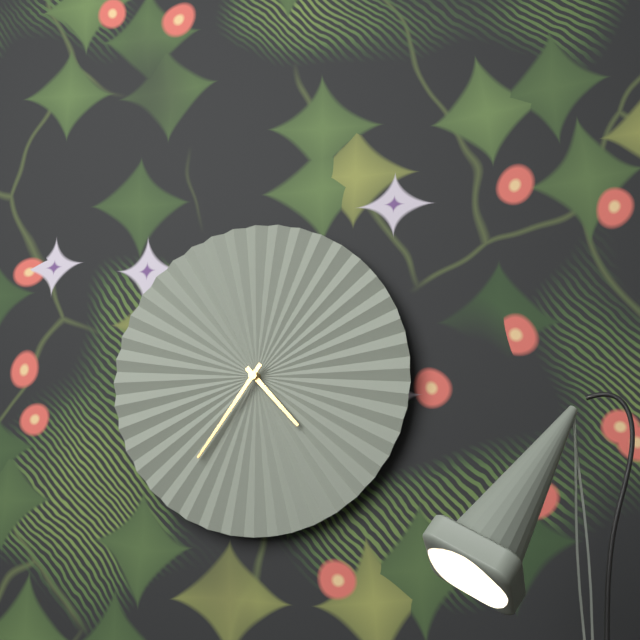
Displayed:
h=4 m=36
